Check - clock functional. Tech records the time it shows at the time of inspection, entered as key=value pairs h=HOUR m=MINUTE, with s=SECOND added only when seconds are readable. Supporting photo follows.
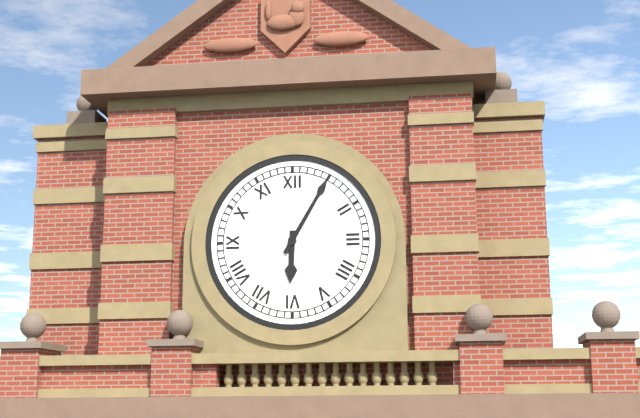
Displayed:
h=6 m=5
